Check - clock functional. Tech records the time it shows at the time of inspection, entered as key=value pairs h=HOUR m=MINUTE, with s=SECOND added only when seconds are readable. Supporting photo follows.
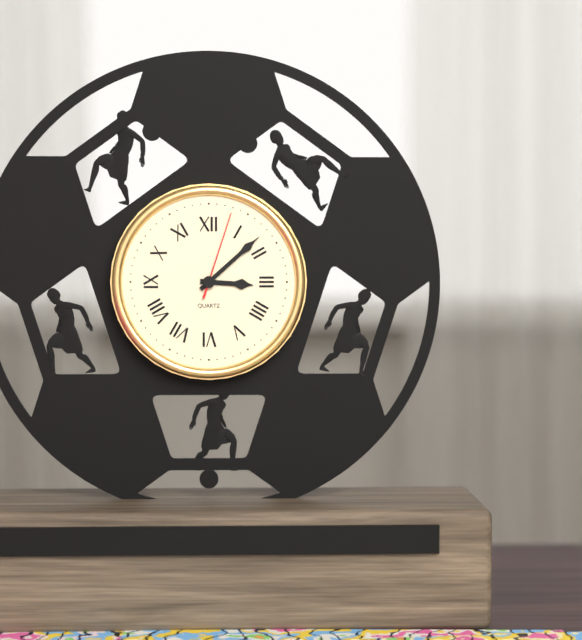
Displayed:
h=3 m=8 s=3
